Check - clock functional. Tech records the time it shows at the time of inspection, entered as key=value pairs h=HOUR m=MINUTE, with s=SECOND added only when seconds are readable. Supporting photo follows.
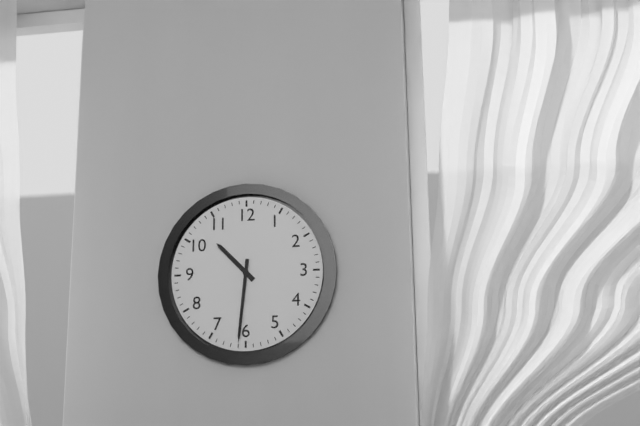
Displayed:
h=10 m=31
